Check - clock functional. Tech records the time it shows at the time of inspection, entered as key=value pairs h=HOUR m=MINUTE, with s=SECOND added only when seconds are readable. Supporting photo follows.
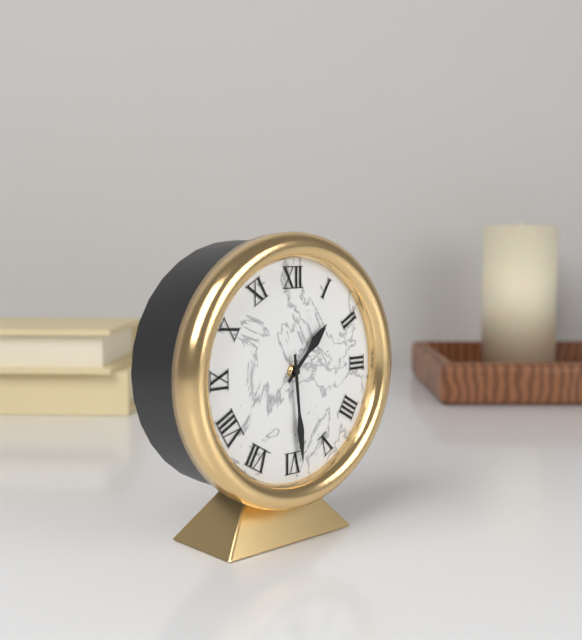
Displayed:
h=1 m=29
